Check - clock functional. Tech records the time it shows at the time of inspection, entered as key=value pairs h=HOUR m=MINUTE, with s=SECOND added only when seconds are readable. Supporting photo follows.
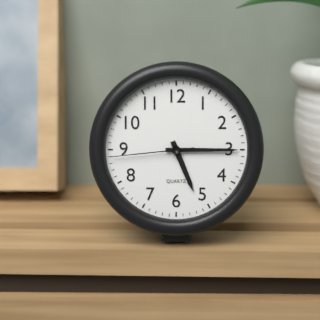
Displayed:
h=5 m=15 s=44
